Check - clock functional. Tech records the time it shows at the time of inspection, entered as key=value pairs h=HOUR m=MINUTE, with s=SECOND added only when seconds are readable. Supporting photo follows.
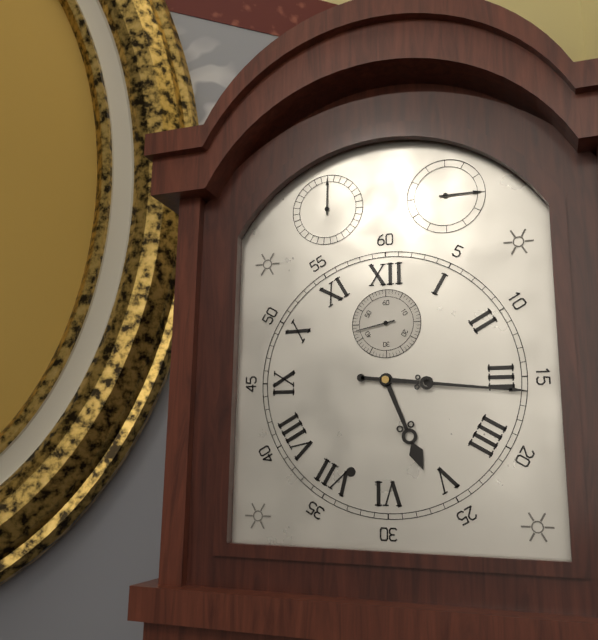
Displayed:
h=5 m=16
